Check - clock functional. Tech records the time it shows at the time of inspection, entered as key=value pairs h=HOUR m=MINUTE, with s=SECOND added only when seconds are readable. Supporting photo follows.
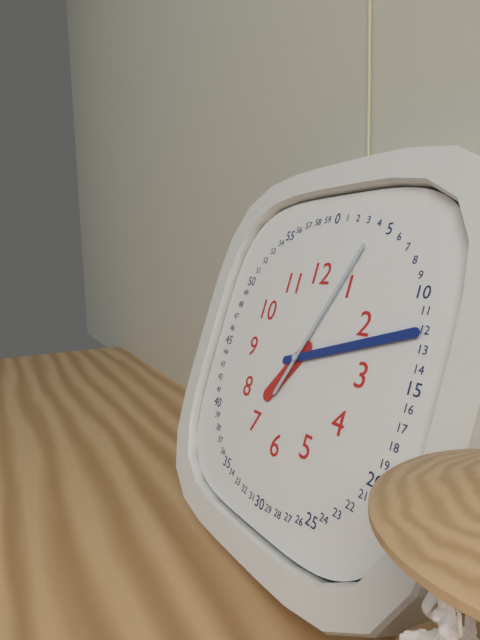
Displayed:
h=7 m=12 s=4
